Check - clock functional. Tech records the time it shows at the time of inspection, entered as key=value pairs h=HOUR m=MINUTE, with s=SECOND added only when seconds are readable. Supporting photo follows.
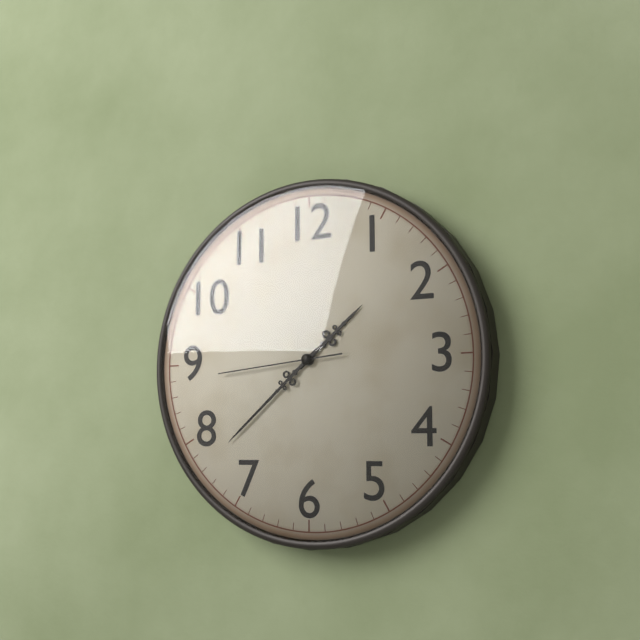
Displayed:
h=1 m=38 s=44
